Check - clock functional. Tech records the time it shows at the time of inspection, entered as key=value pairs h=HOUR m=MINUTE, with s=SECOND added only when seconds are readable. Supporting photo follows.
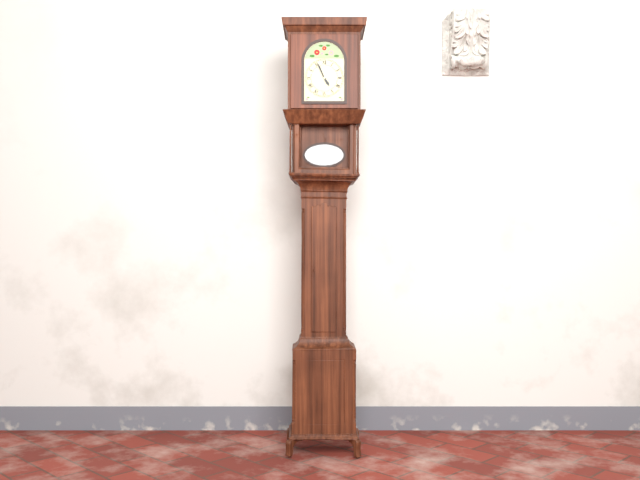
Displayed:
h=4 m=56
